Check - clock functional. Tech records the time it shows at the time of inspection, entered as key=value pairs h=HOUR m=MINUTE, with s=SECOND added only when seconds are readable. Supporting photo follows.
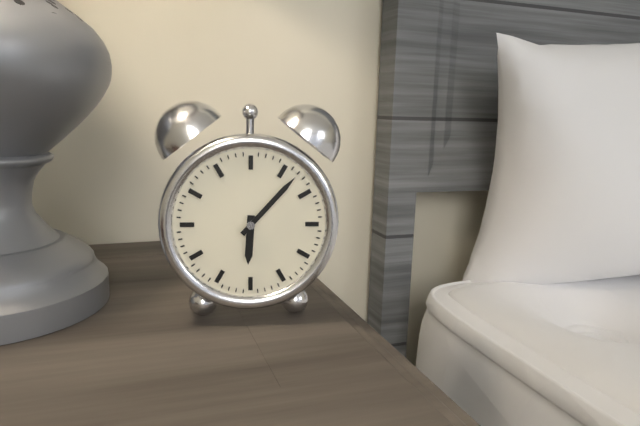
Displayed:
h=6 m=7
